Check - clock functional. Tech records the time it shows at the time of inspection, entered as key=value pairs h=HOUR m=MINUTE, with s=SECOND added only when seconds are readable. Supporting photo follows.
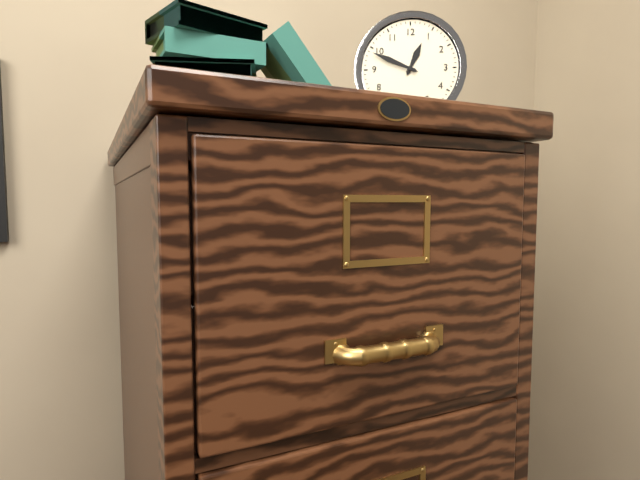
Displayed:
h=12 m=49
